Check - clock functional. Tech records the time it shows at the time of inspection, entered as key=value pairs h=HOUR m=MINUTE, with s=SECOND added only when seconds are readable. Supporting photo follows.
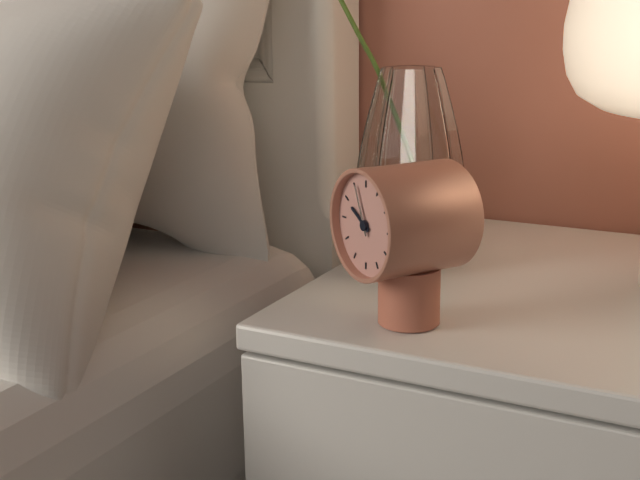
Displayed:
h=9 m=56
